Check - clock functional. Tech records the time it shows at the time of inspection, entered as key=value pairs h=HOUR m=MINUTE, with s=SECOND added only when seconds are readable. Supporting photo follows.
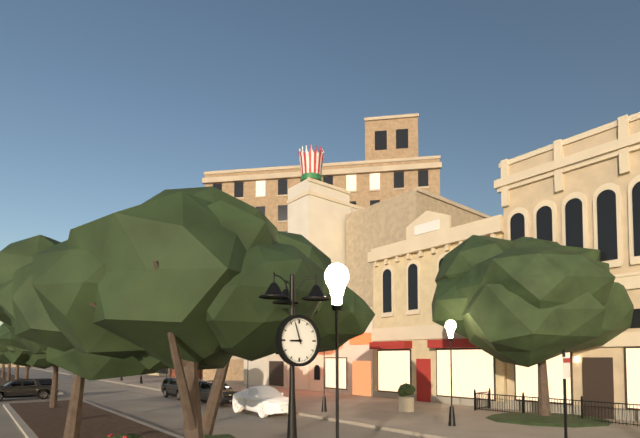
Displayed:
h=8 m=57
